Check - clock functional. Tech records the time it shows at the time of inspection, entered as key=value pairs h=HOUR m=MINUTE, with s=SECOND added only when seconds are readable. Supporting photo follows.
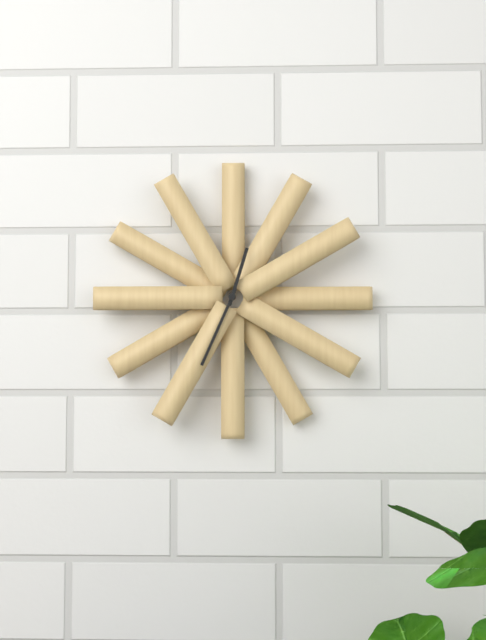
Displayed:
h=12 m=34
